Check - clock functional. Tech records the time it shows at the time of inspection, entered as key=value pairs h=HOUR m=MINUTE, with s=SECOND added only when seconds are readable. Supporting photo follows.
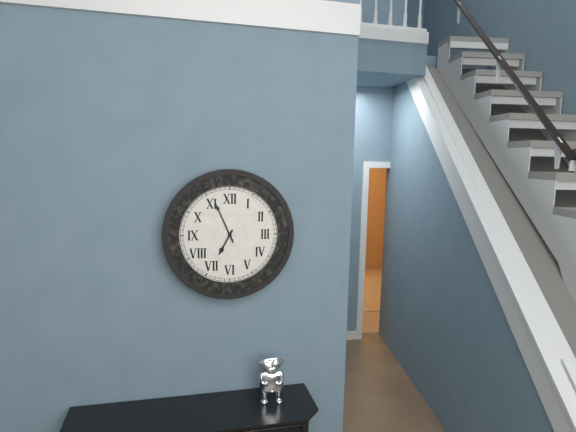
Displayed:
h=6 m=56
